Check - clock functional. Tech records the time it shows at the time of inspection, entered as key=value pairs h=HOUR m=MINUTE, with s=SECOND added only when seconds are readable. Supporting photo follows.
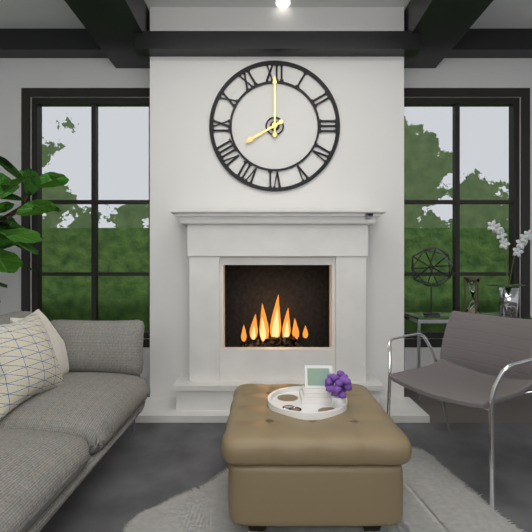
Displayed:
h=8 m=0
